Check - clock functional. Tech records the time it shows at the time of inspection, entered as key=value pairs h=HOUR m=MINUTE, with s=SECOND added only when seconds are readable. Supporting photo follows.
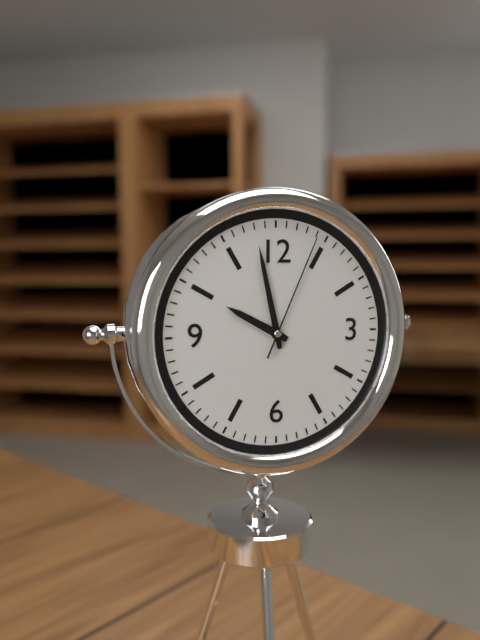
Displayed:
h=9 m=58 s=4
